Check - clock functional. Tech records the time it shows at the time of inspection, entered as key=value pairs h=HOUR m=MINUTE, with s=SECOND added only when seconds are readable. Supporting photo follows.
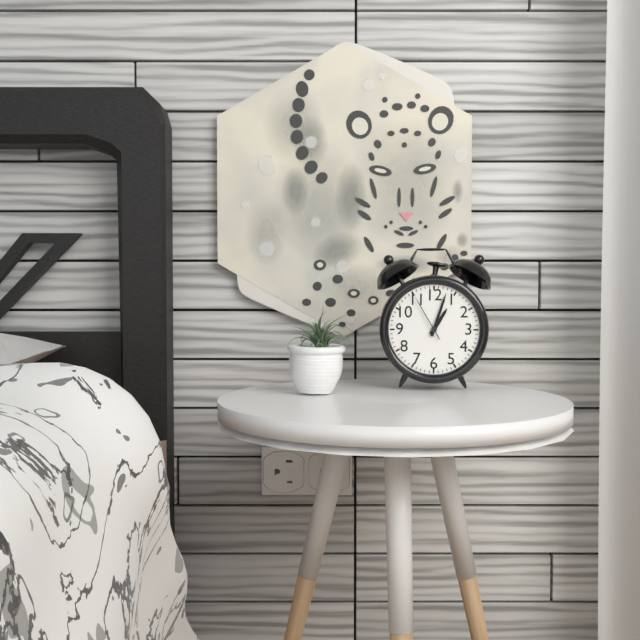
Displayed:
h=1 m=3 s=55
